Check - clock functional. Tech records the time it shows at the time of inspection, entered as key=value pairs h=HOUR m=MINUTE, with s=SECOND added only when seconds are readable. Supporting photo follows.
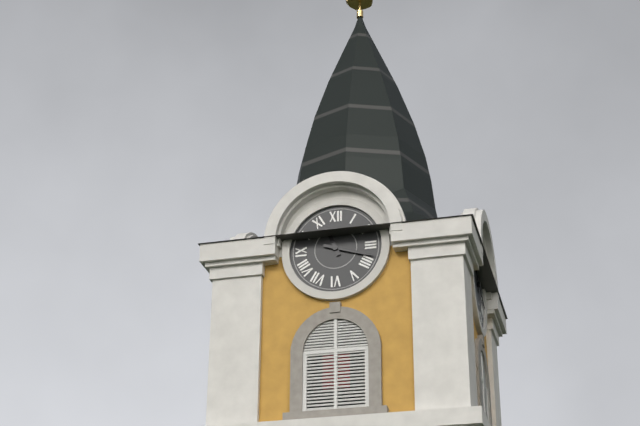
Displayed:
h=11 m=18
